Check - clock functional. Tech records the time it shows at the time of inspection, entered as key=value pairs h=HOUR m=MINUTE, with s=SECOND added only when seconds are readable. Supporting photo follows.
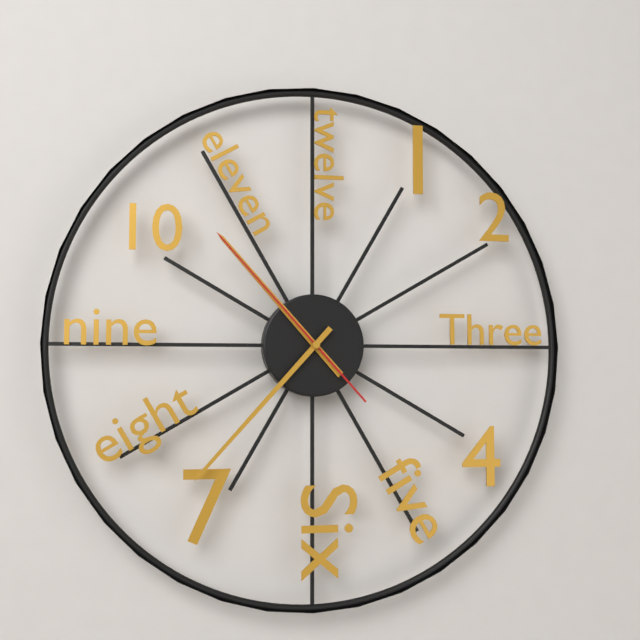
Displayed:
h=10 m=37 s=53
